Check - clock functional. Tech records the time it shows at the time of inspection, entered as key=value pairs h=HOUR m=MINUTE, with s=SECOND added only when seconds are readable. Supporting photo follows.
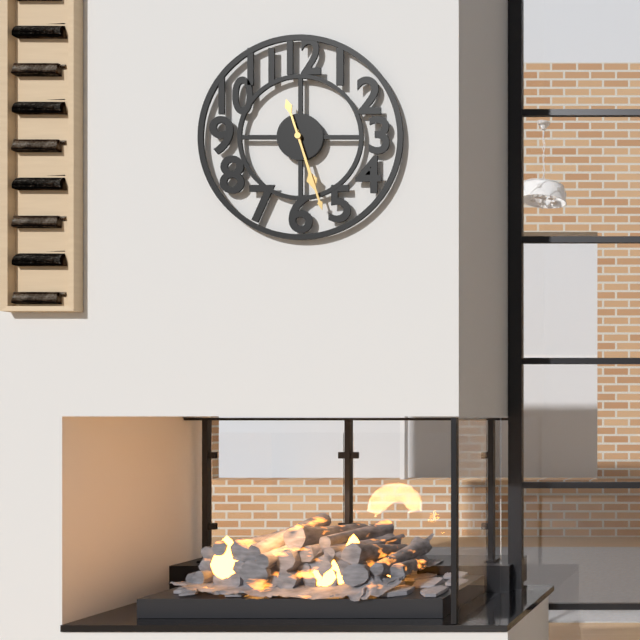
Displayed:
h=5 m=27
